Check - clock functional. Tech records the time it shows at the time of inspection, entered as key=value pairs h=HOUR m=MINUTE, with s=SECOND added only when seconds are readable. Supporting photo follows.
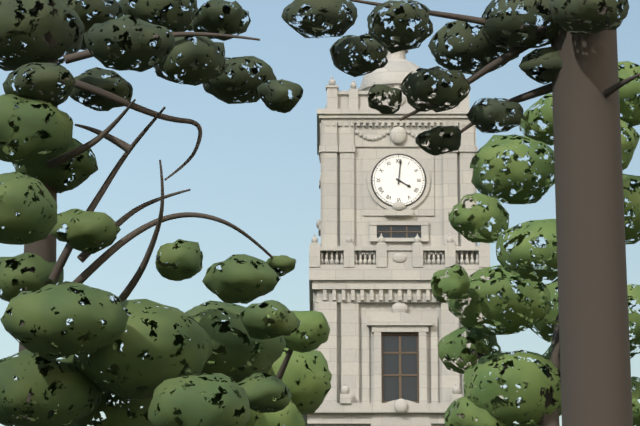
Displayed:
h=4 m=1
